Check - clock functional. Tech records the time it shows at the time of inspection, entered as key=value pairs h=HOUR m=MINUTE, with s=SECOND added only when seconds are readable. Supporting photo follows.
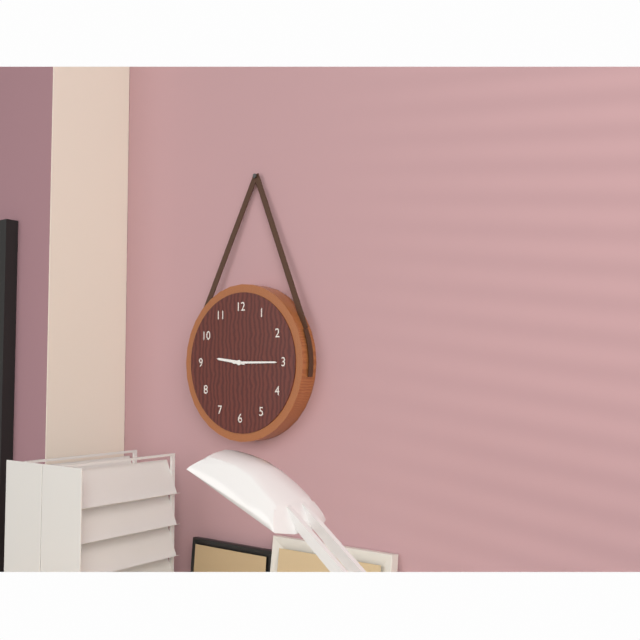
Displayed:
h=9 m=15
